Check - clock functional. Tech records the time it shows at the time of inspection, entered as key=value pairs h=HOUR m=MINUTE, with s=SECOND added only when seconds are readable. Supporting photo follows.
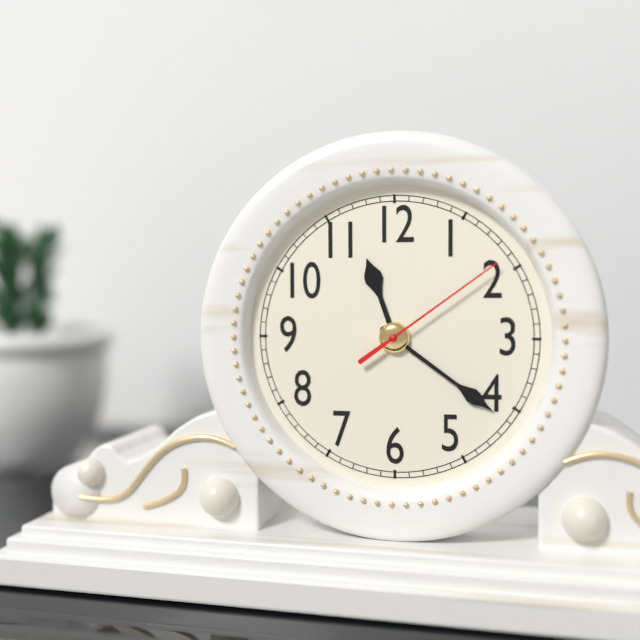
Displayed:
h=11 m=21 s=9
